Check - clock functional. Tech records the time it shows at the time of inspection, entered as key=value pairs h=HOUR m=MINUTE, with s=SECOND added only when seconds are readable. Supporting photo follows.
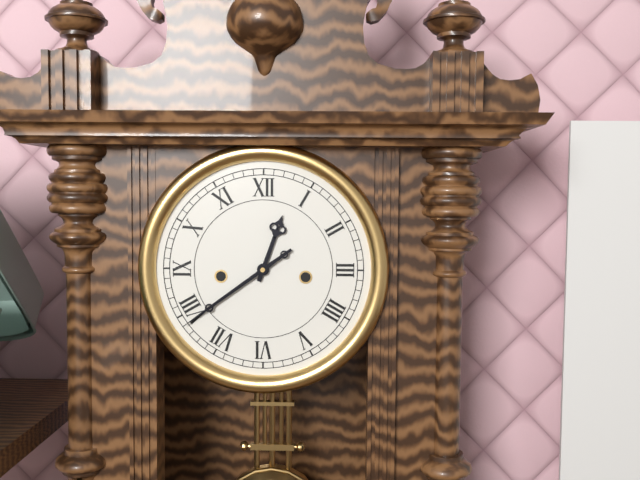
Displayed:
h=12 m=39
